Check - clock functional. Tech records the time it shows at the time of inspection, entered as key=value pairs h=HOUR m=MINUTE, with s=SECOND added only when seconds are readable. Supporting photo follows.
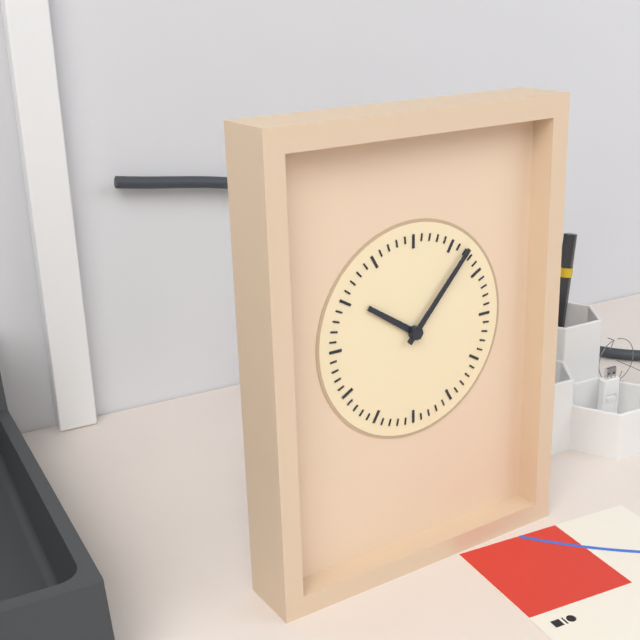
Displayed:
h=10 m=7
